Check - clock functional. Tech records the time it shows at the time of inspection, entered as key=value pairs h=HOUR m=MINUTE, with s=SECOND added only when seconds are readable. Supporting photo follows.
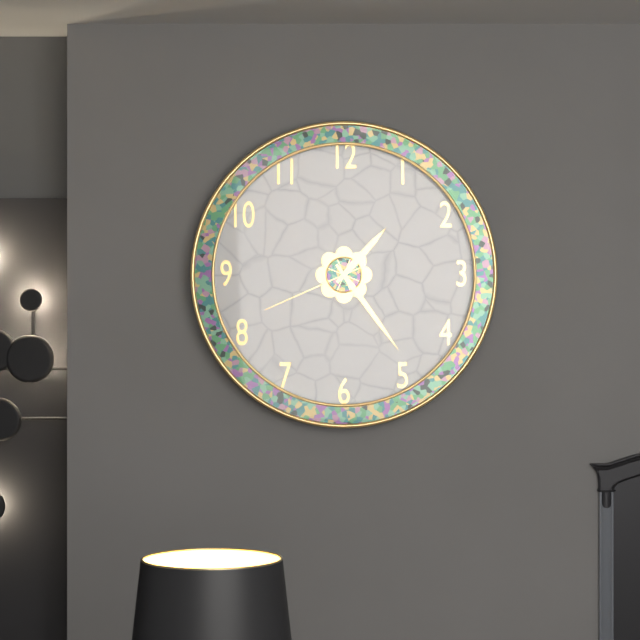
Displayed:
h=1 m=24 s=41
